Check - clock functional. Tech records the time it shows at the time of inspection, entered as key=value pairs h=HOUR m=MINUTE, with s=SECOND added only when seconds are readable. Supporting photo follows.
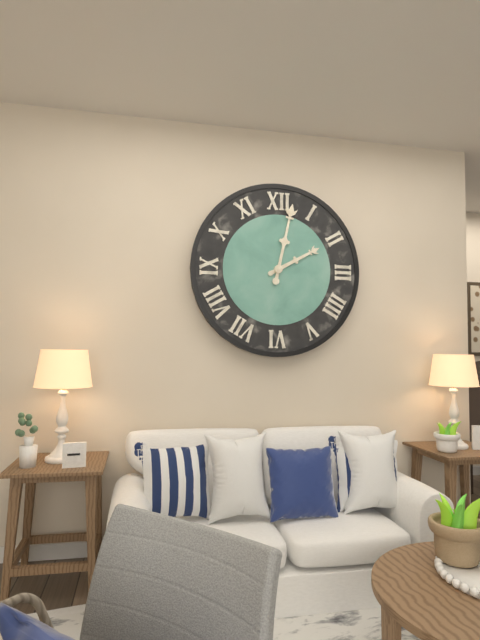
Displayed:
h=2 m=2
